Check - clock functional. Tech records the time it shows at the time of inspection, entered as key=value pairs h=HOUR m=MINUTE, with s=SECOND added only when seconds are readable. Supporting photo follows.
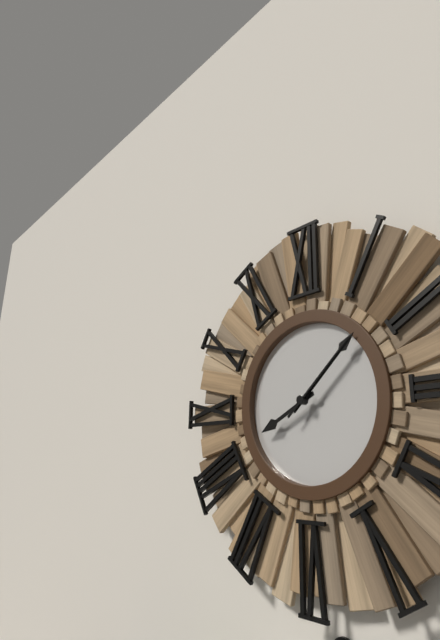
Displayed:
h=8 m=8 s=8
